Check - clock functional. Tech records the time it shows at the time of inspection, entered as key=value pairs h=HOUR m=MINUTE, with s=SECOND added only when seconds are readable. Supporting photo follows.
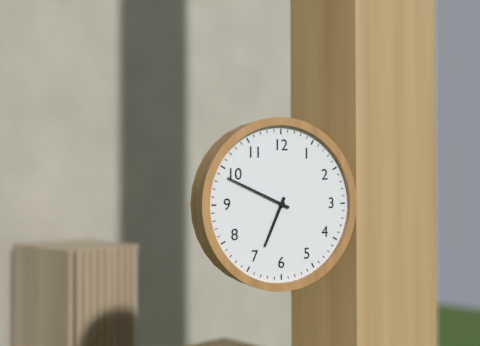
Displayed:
h=6 m=49
